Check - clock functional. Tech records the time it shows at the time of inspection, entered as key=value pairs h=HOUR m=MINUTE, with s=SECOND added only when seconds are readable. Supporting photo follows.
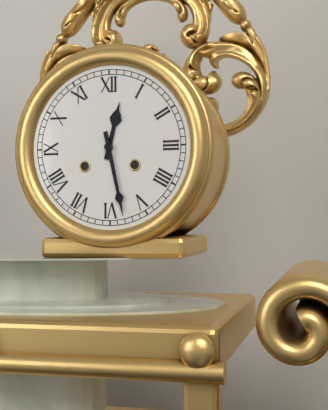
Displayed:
h=12 m=28
